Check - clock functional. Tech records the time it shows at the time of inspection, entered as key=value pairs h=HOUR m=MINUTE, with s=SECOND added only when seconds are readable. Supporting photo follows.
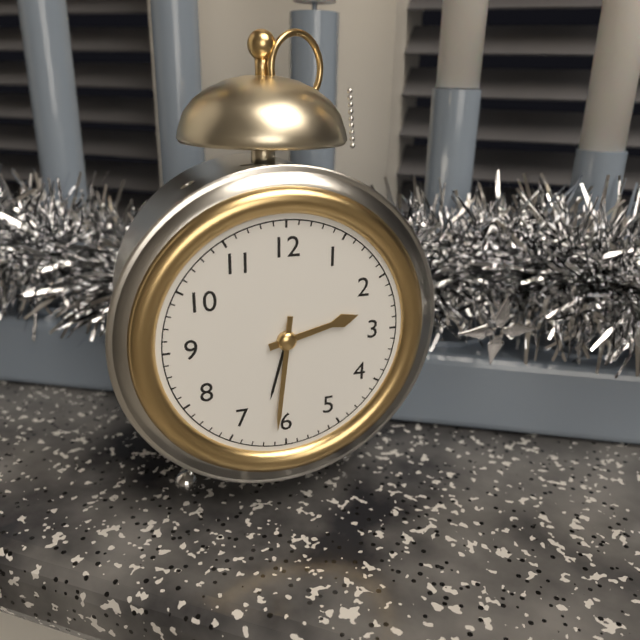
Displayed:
h=2 m=31
